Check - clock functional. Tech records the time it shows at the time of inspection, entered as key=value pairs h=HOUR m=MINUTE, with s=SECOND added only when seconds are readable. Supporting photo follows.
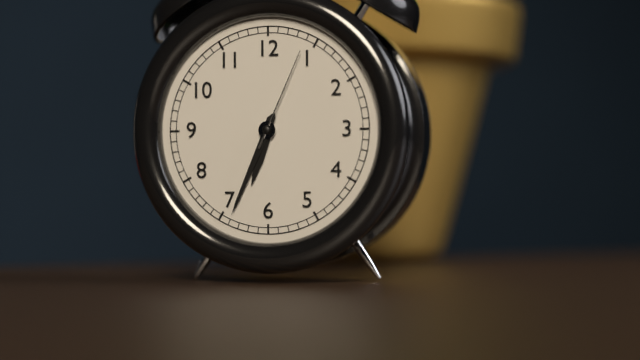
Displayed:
h=6 m=34 s=4
